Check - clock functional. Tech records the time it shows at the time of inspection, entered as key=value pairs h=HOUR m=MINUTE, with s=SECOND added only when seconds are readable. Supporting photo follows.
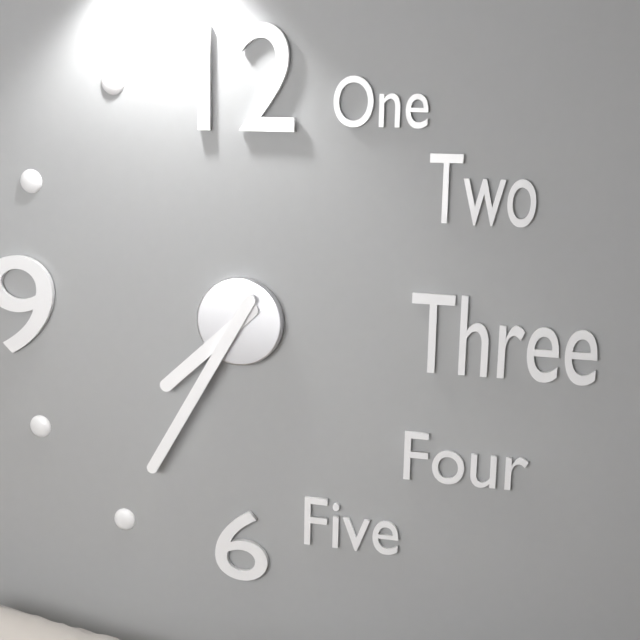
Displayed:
h=7 m=35
